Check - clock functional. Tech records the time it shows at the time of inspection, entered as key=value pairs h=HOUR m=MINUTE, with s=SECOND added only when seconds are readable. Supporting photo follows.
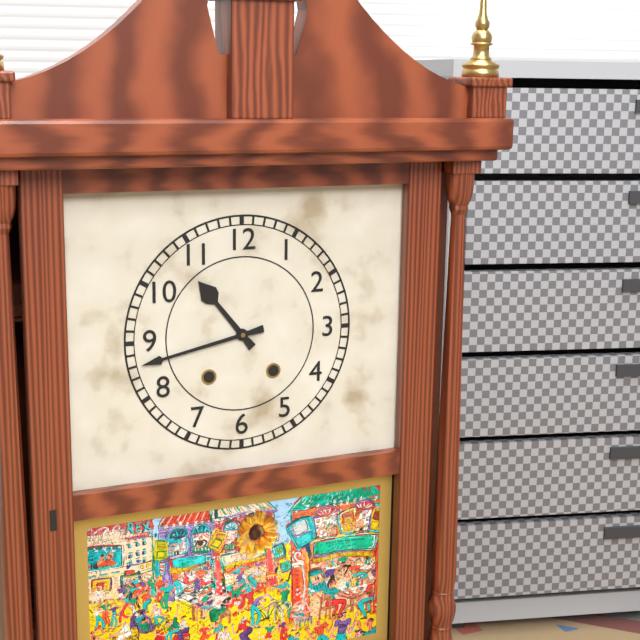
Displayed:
h=10 m=43
